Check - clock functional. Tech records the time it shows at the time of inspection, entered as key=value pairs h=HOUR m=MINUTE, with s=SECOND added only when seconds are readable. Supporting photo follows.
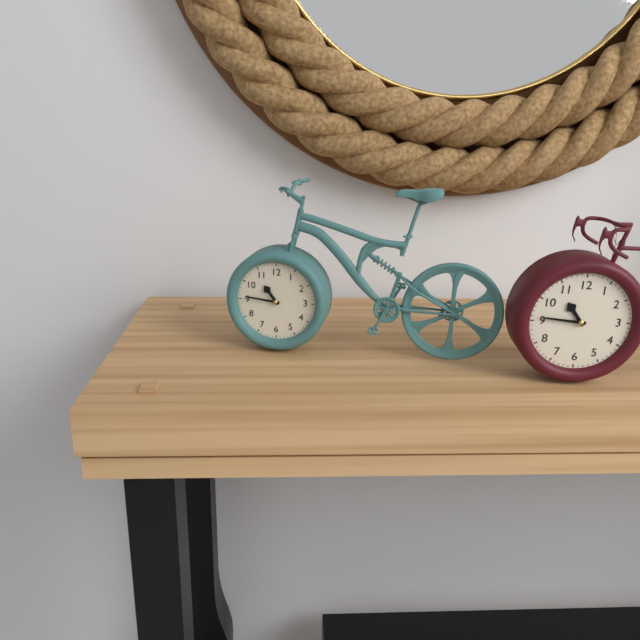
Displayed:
h=10 m=46
